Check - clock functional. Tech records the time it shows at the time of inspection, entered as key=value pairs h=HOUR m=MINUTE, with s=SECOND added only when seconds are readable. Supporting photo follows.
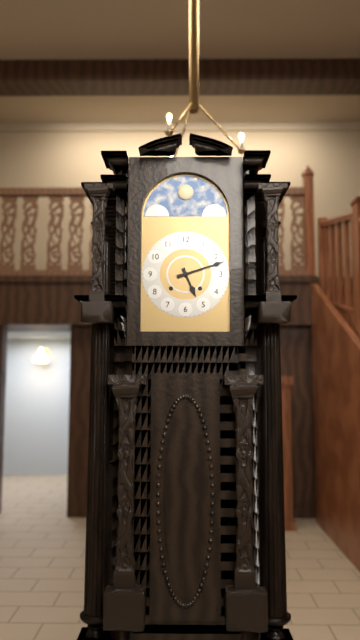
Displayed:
h=5 m=12
